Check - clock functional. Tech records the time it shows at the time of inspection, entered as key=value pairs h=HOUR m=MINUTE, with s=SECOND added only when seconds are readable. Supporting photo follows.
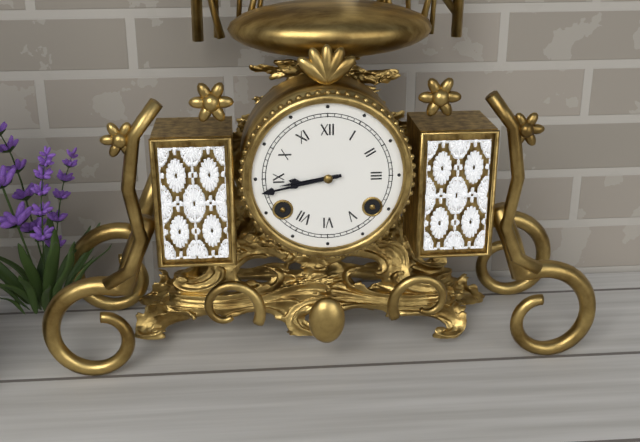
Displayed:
h=8 m=43
